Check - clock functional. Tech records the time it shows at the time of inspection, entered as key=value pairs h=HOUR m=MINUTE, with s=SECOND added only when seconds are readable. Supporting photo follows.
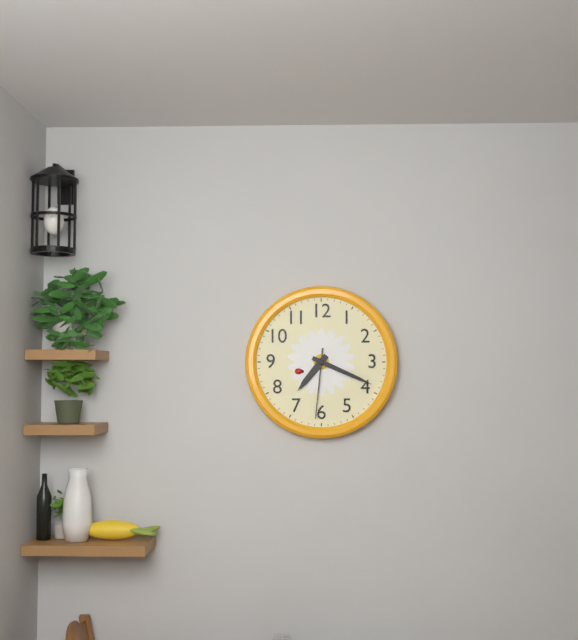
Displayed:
h=7 m=19 s=31
